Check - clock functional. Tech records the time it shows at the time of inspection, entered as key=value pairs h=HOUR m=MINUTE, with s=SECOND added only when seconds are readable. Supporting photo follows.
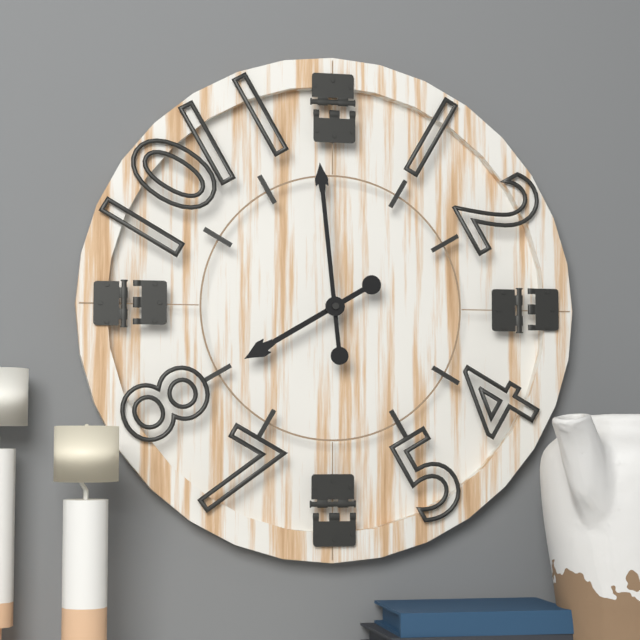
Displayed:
h=7 m=59
